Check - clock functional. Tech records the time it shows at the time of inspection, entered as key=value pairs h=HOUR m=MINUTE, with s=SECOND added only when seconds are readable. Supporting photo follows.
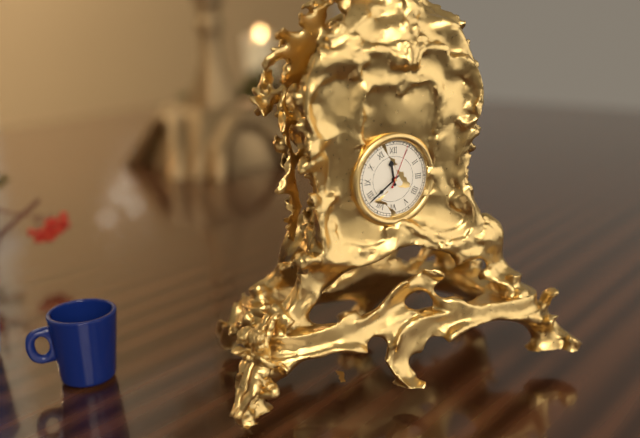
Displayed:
h=11 m=39
